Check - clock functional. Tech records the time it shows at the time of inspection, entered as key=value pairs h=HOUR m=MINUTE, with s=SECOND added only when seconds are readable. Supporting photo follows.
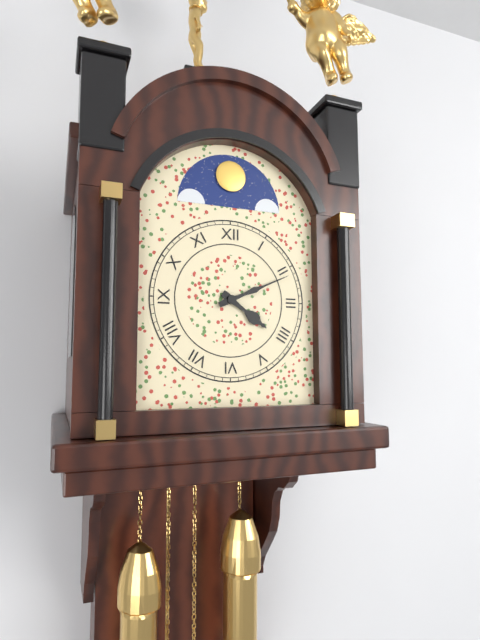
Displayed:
h=4 m=11
